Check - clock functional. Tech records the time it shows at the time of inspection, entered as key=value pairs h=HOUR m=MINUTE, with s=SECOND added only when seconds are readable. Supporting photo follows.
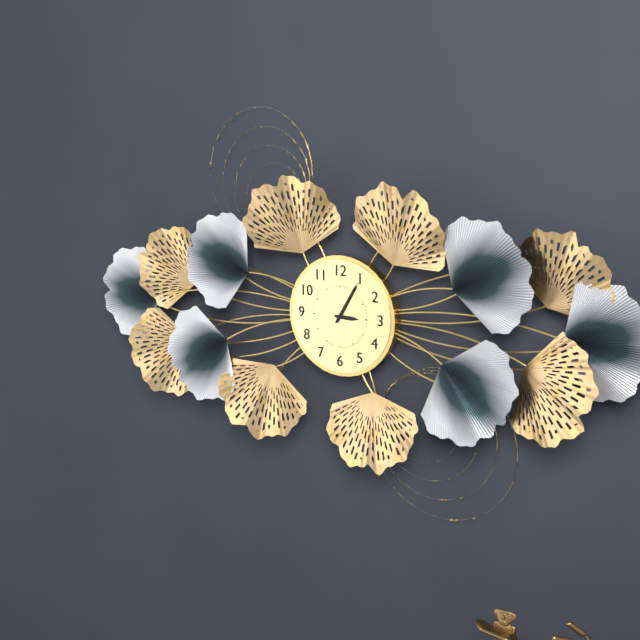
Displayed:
h=3 m=5
